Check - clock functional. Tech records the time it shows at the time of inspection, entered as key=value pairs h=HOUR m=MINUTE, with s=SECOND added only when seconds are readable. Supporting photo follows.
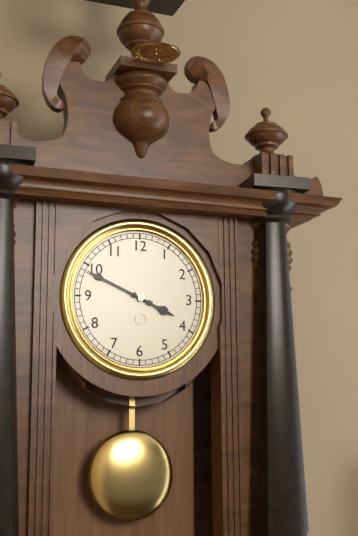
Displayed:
h=3 m=49
